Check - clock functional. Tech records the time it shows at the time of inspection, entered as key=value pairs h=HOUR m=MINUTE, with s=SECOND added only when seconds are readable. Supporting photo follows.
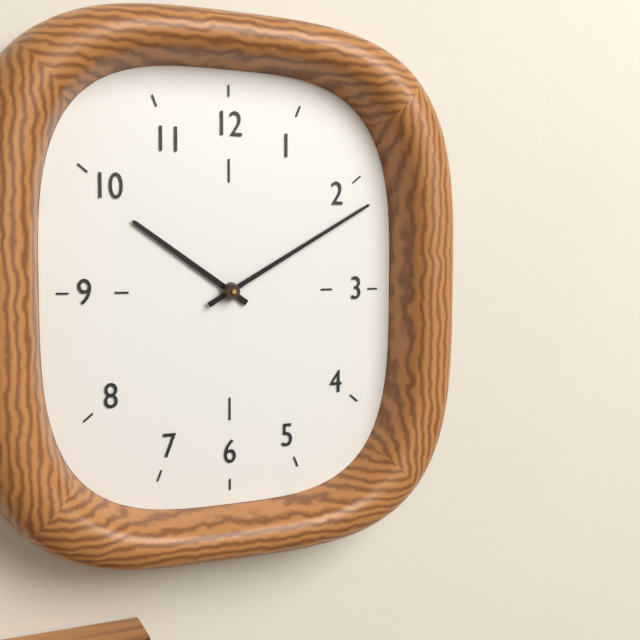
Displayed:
h=10 m=10
